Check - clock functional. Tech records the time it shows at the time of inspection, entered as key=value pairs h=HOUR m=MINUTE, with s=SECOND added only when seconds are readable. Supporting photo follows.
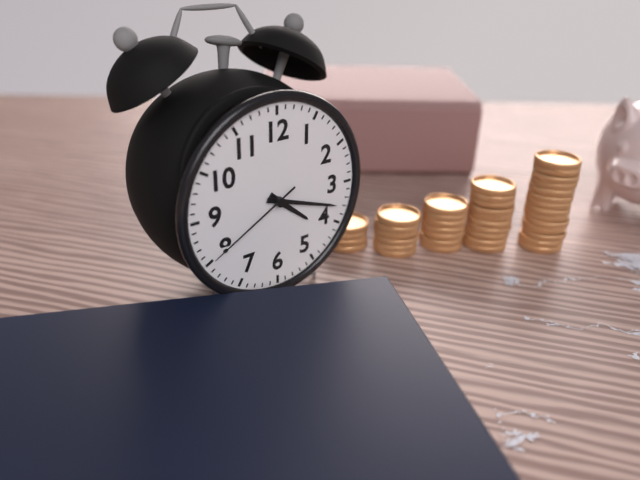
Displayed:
h=4 m=18 s=40
